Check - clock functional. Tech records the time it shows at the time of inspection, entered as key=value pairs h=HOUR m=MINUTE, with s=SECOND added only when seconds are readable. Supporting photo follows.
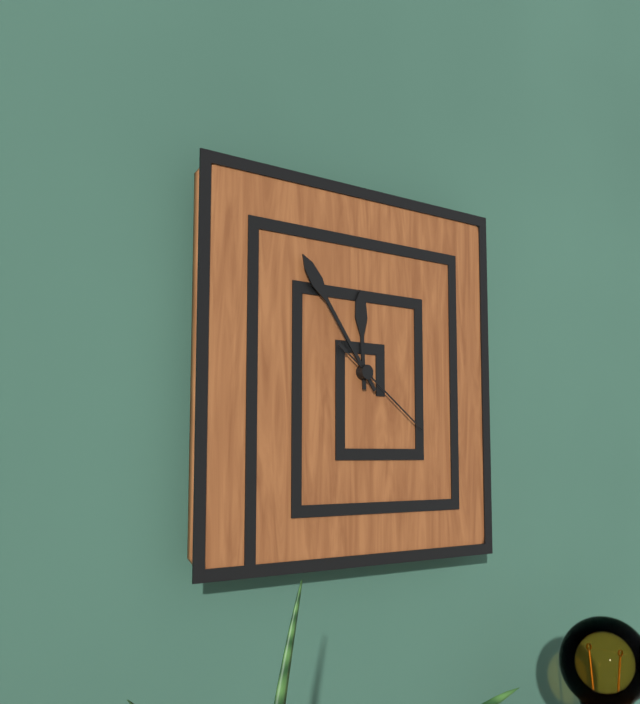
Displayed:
h=11 m=54 s=21
